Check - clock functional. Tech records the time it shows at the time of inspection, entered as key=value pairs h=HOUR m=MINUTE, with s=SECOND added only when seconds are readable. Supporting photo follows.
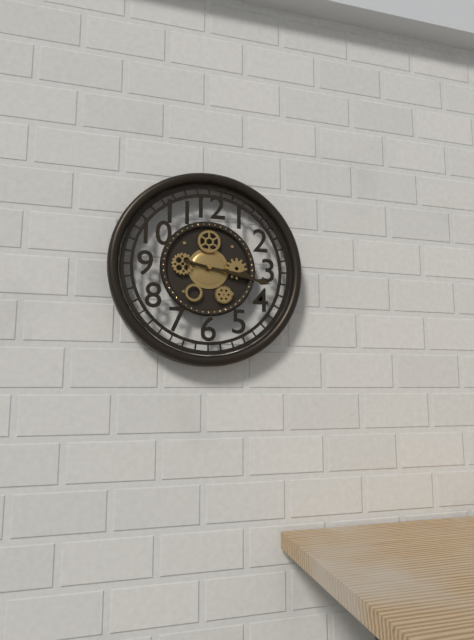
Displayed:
h=3 m=17
